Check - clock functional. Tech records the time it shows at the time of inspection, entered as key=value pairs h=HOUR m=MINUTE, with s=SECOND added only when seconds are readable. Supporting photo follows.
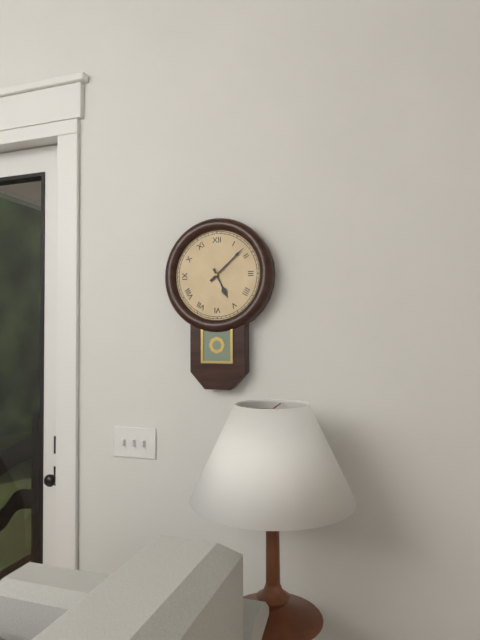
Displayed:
h=5 m=8
